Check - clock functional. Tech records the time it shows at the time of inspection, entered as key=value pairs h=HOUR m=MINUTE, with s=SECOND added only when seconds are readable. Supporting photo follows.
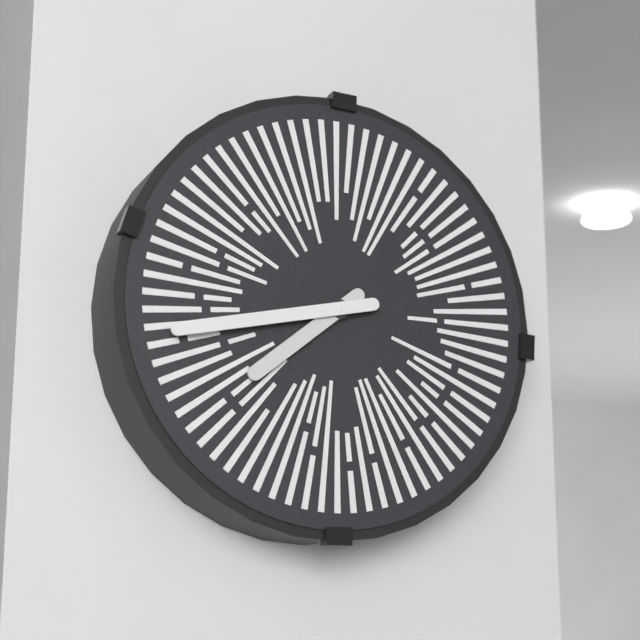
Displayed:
h=7 m=43
